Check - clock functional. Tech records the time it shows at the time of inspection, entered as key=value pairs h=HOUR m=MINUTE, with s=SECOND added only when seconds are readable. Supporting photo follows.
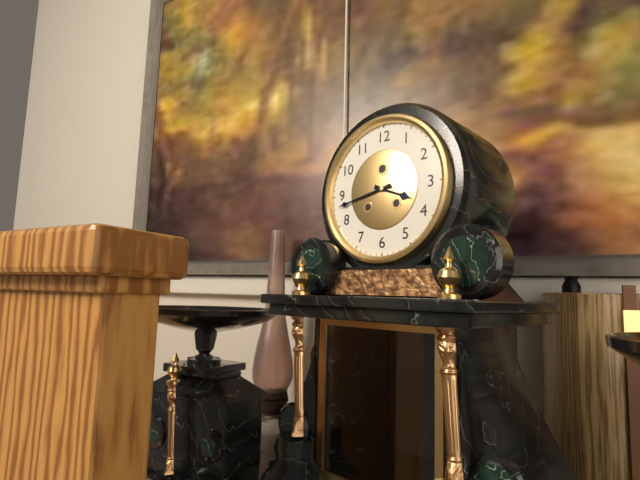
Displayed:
h=3 m=43
